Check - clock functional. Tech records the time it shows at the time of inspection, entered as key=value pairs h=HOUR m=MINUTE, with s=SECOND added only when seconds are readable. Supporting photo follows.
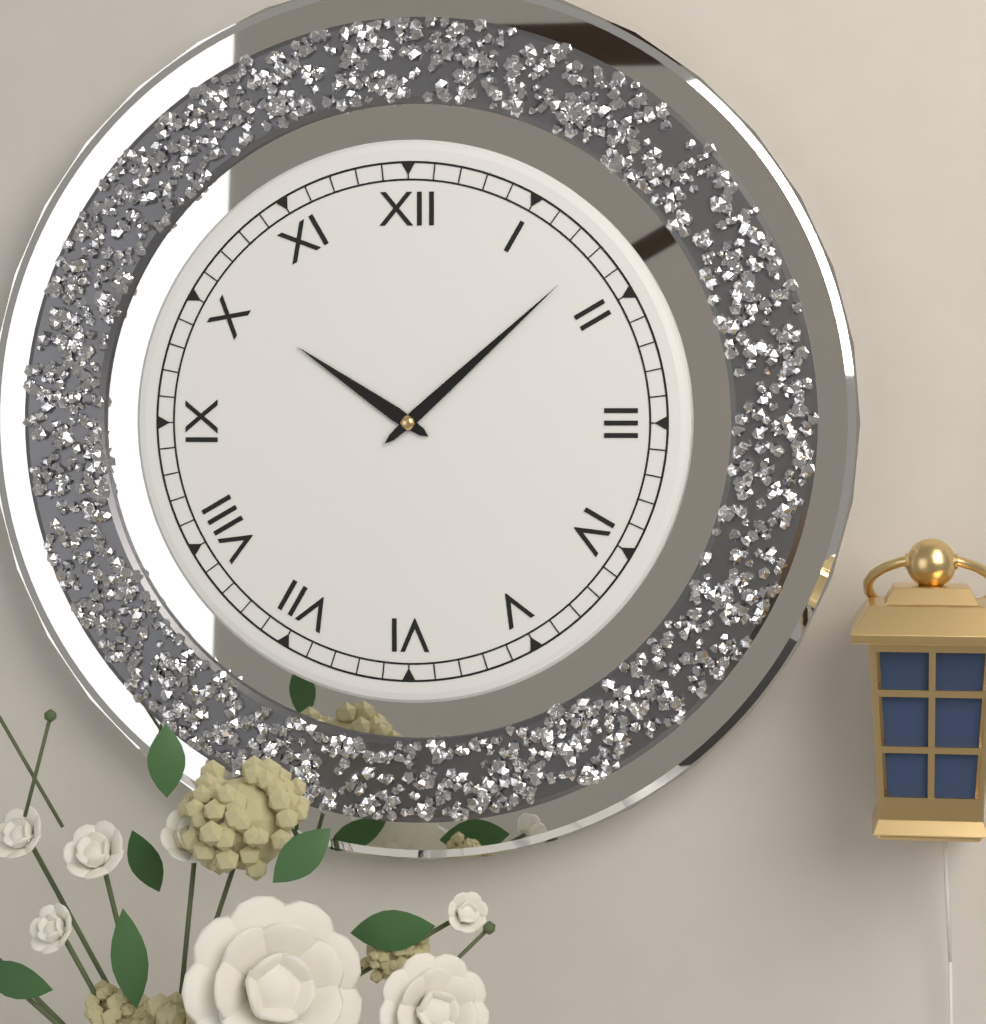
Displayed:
h=10 m=8
